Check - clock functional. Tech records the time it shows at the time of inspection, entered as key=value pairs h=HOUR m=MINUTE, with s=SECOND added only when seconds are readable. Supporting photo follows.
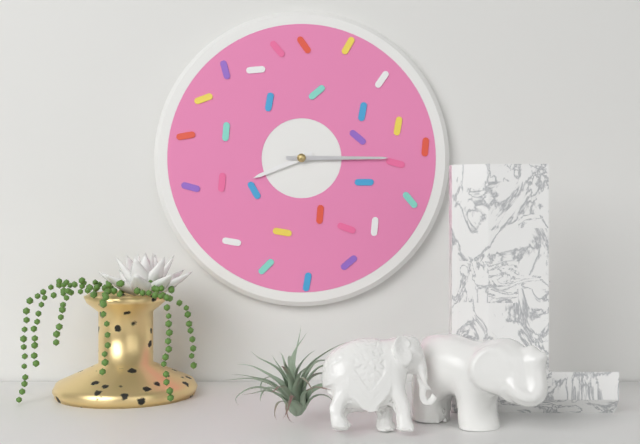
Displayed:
h=8 m=15
